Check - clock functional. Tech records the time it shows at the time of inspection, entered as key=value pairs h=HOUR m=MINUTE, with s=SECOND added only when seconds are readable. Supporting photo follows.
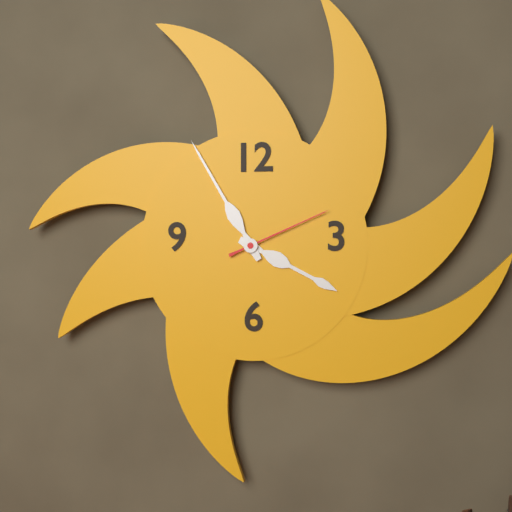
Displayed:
h=3 m=55 s=11
